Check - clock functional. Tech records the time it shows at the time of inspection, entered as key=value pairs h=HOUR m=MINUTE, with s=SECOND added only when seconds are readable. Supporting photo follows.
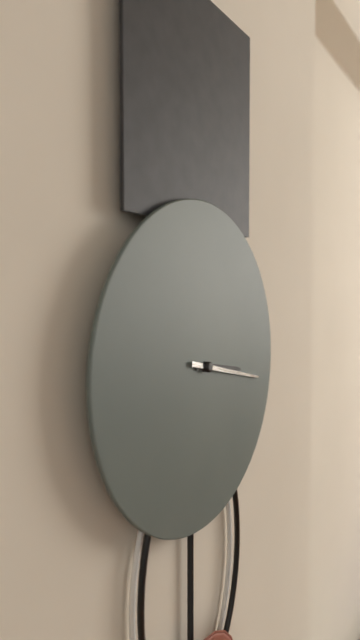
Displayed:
h=3 m=17
